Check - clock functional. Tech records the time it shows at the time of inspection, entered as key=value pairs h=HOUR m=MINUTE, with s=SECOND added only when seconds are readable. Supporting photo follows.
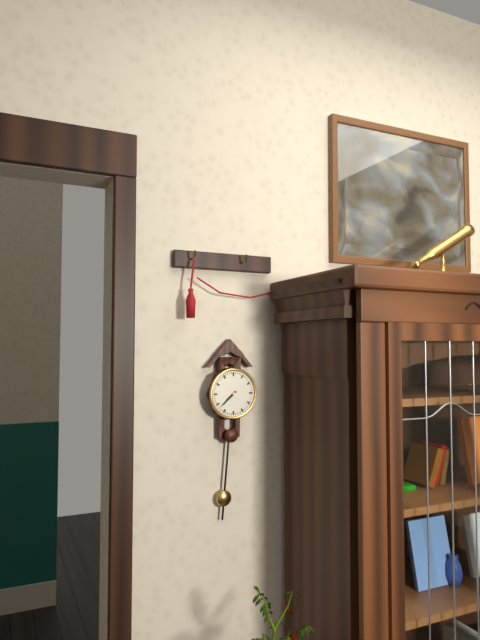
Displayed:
h=7 m=38
